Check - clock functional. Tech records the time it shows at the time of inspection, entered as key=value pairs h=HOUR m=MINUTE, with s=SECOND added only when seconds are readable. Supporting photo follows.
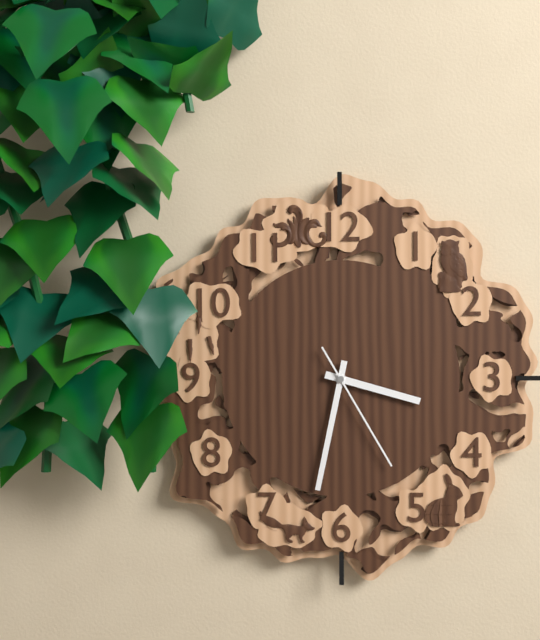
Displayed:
h=3 m=32 s=25
